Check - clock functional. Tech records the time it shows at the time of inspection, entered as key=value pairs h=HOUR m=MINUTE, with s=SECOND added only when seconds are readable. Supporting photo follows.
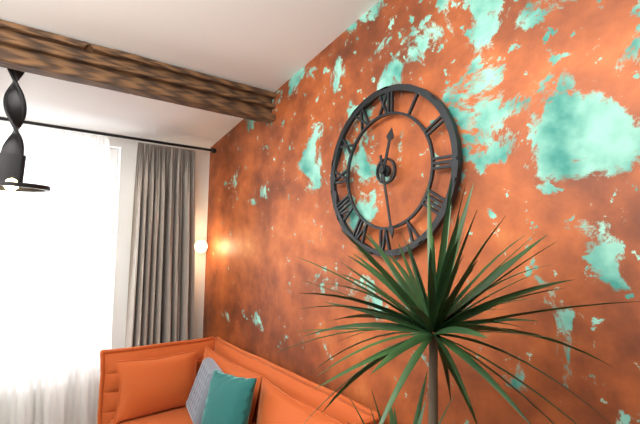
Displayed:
h=12 m=28
